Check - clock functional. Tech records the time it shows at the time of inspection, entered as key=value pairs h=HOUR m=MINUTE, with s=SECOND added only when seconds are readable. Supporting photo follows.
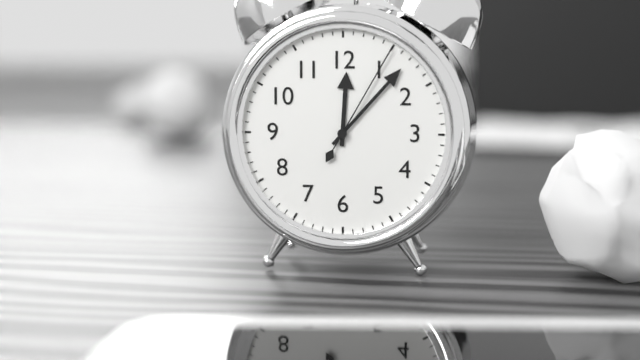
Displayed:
h=12 m=7 s=5
